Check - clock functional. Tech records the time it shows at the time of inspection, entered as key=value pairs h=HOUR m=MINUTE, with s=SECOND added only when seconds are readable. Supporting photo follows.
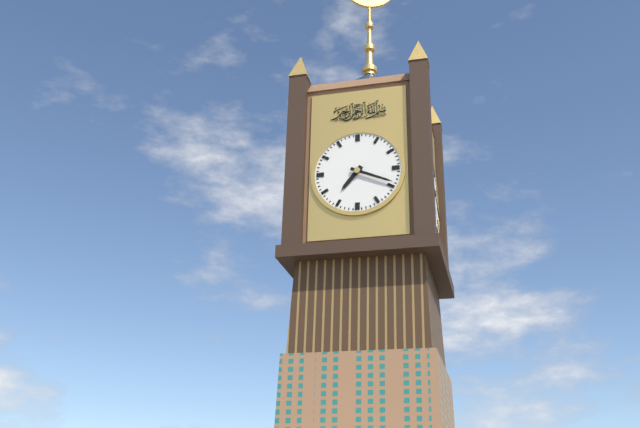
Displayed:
h=7 m=19
